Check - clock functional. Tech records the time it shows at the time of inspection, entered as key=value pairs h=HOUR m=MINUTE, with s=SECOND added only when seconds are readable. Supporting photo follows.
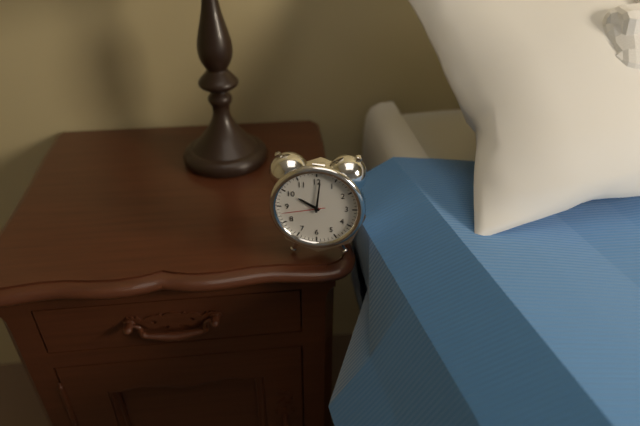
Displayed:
h=10 m=1
